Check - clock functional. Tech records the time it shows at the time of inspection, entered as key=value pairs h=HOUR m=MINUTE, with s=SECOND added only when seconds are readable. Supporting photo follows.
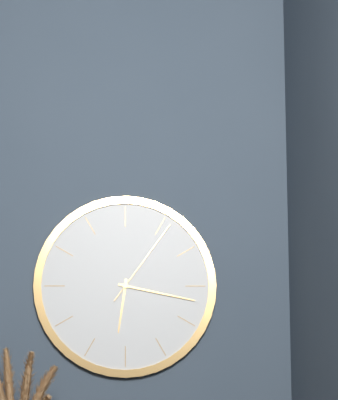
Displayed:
h=6 m=17 s=6
